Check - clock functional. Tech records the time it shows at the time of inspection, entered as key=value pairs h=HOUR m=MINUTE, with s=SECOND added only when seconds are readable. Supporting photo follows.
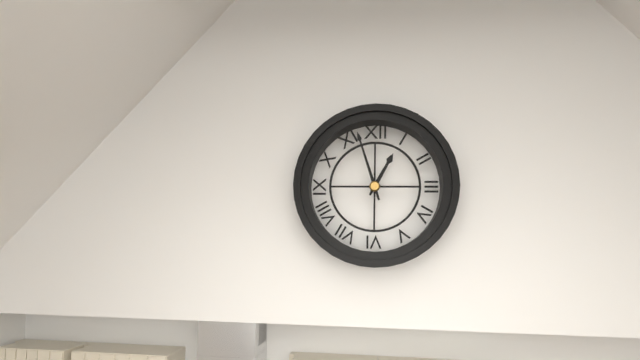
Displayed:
h=12 m=57
